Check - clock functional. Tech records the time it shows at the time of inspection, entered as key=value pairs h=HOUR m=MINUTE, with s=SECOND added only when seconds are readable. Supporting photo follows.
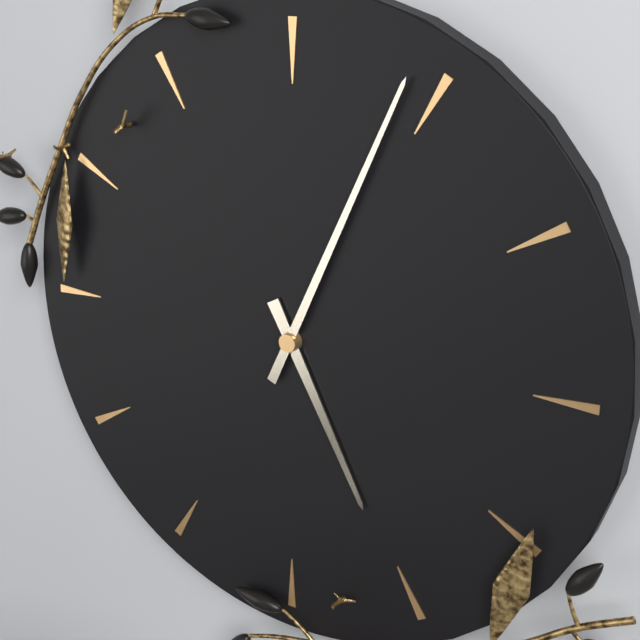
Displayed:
h=5 m=4
